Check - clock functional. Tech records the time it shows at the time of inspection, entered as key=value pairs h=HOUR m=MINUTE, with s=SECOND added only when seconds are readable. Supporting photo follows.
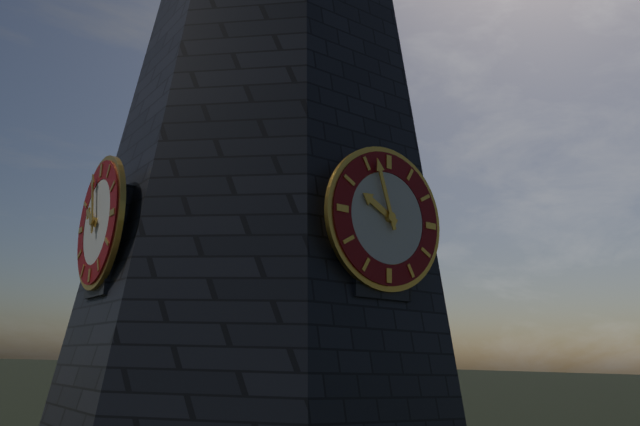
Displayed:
h=9 m=57
